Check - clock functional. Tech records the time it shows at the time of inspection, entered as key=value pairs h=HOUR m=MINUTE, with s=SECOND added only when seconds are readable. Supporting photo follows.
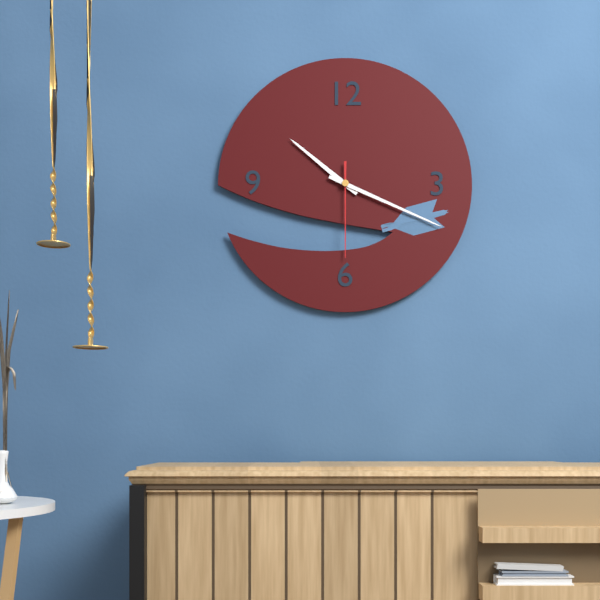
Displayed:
h=10 m=19 s=30
